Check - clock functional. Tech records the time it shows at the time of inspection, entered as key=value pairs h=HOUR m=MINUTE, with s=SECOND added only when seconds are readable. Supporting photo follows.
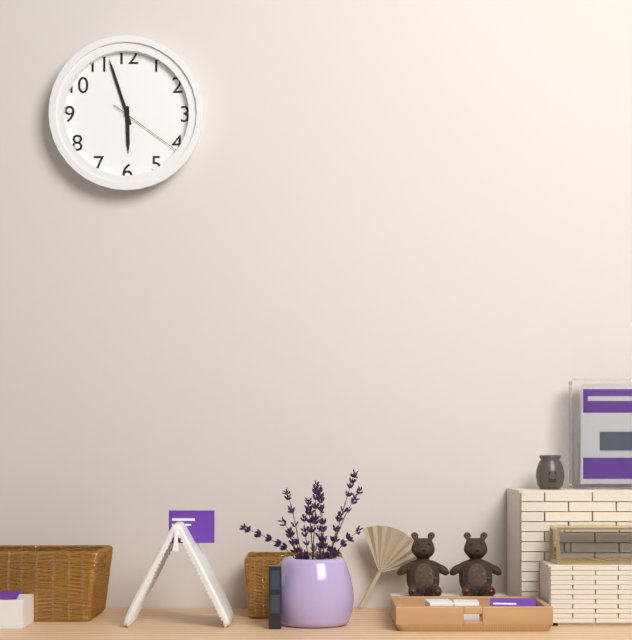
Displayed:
h=5 m=57 s=21
